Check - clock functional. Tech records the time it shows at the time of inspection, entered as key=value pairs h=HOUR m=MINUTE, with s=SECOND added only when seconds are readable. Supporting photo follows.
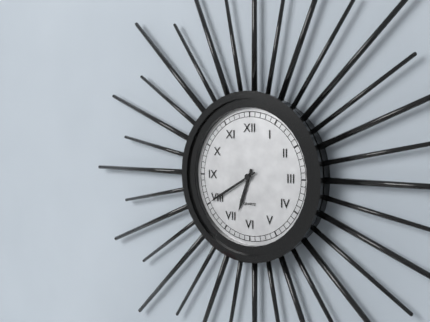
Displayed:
h=6 m=40
